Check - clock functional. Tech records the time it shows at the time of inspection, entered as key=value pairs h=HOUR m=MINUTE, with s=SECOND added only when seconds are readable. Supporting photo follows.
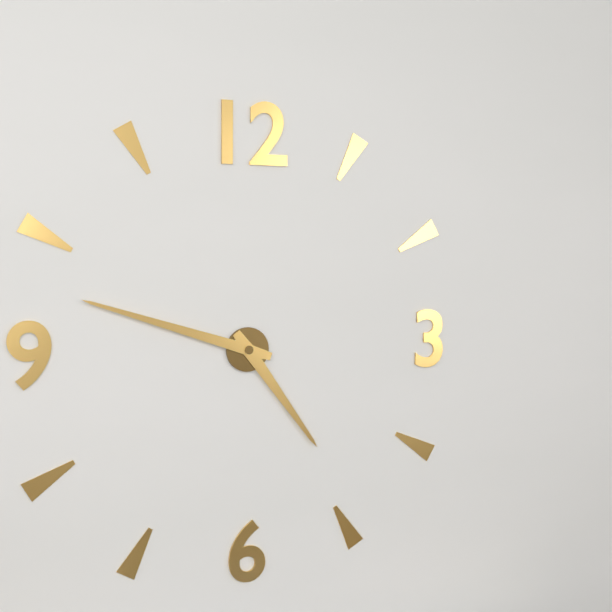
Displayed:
h=4 m=48
